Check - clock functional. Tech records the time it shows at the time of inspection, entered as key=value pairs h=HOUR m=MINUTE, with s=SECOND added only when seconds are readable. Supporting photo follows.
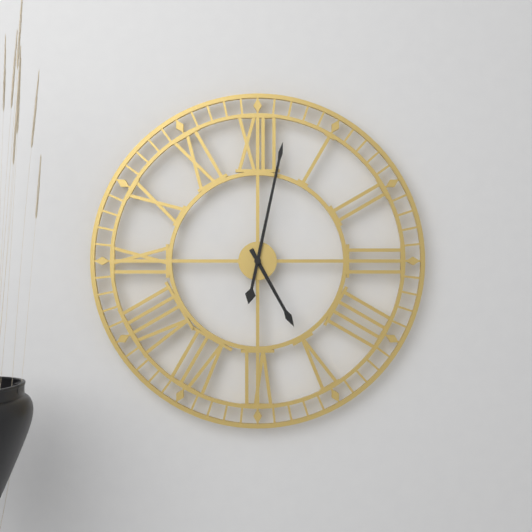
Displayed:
h=5 m=2
